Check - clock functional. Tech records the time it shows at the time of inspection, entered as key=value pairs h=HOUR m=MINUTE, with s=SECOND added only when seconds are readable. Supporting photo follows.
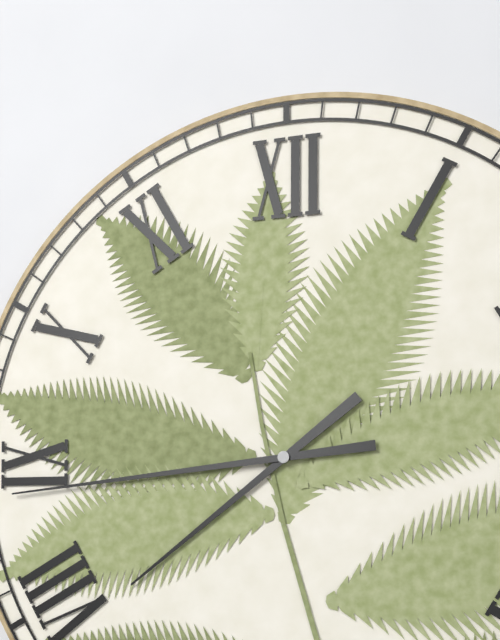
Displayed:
h=7 m=44
